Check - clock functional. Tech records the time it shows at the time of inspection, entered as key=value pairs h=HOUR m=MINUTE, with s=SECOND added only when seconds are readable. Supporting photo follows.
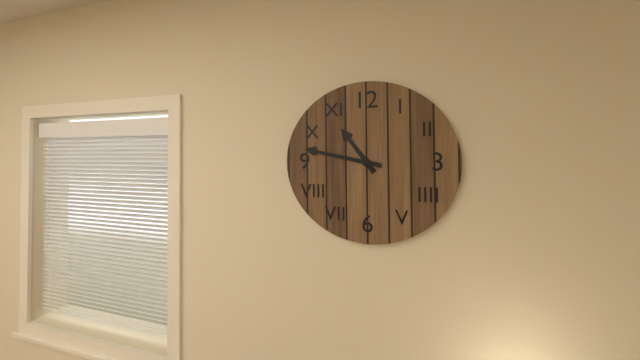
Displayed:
h=10 m=47
